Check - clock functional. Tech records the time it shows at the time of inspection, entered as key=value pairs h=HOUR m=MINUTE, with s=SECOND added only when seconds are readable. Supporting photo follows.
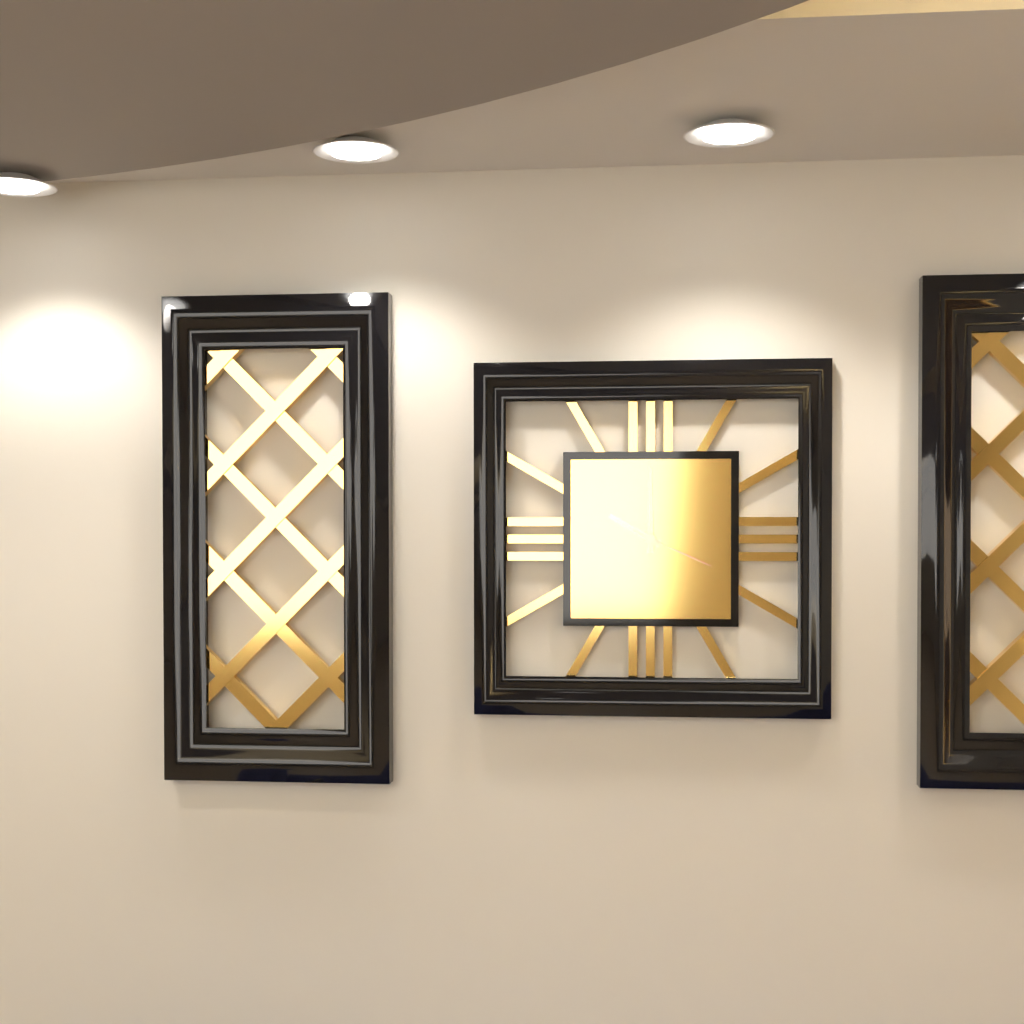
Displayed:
h=10 m=0 s=19
